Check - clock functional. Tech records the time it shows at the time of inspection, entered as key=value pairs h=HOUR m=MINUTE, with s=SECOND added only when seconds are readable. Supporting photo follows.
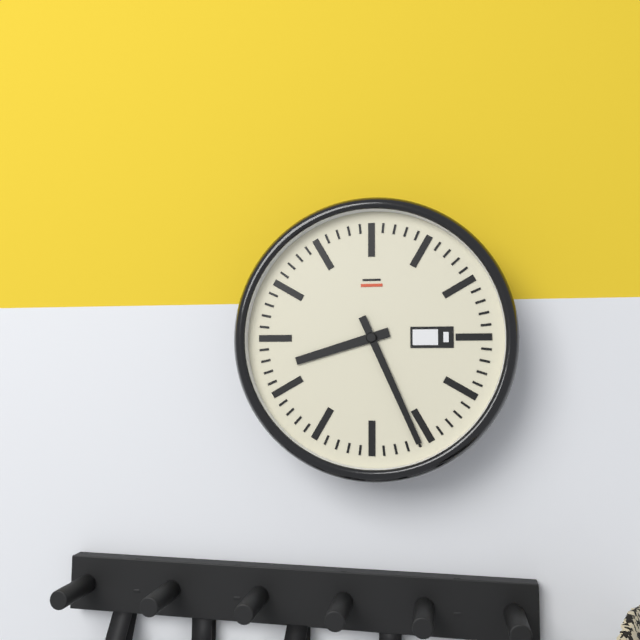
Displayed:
h=8 m=26
